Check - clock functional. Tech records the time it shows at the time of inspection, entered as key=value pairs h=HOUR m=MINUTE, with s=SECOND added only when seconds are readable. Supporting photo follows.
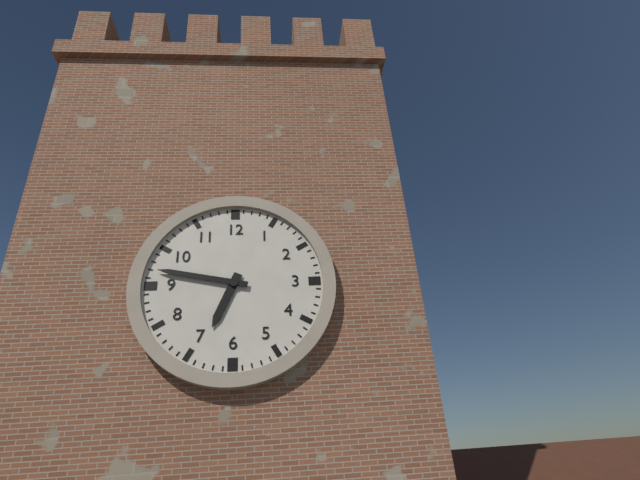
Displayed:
h=6 m=47
